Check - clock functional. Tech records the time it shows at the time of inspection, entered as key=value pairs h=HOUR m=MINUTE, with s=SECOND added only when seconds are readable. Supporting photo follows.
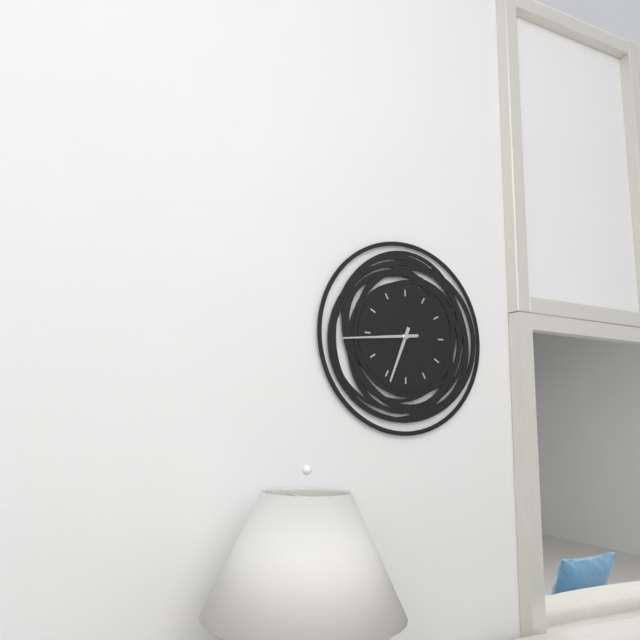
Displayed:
h=6 m=44 s=44
